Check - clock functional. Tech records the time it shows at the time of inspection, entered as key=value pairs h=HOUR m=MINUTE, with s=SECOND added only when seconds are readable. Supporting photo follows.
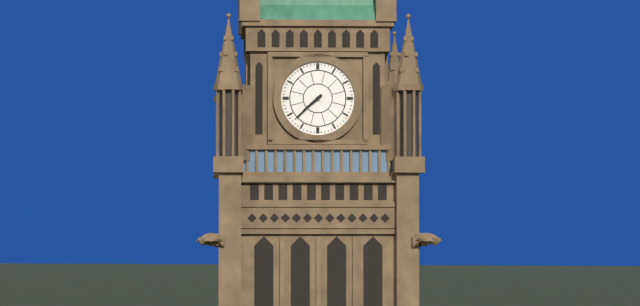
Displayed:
h=7 m=38
